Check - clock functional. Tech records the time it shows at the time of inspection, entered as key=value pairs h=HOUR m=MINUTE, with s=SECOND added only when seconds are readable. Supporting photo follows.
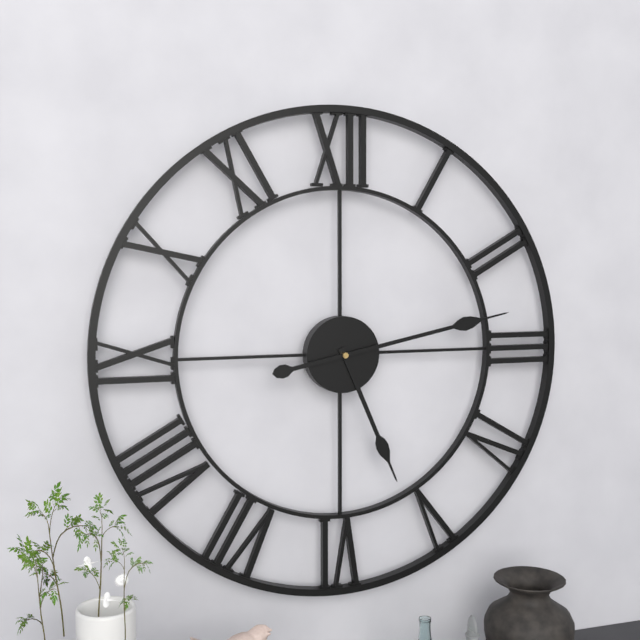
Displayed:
h=5 m=13
